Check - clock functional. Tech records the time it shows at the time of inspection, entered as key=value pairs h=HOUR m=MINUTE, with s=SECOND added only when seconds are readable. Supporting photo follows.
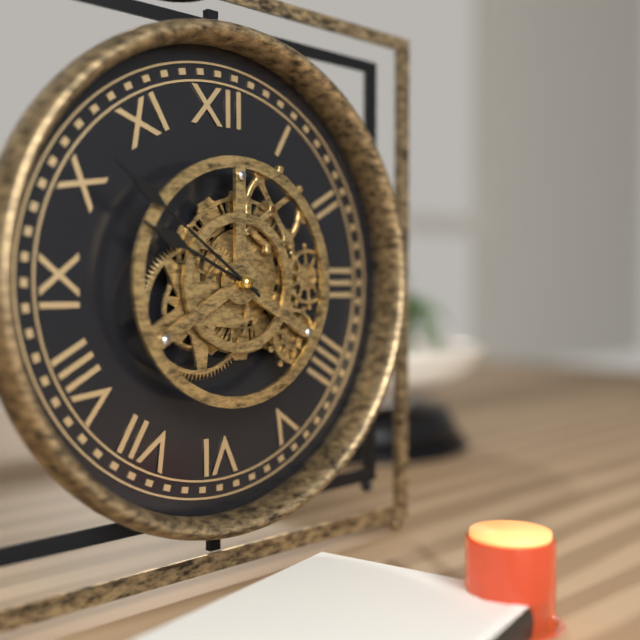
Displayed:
h=9 m=51
